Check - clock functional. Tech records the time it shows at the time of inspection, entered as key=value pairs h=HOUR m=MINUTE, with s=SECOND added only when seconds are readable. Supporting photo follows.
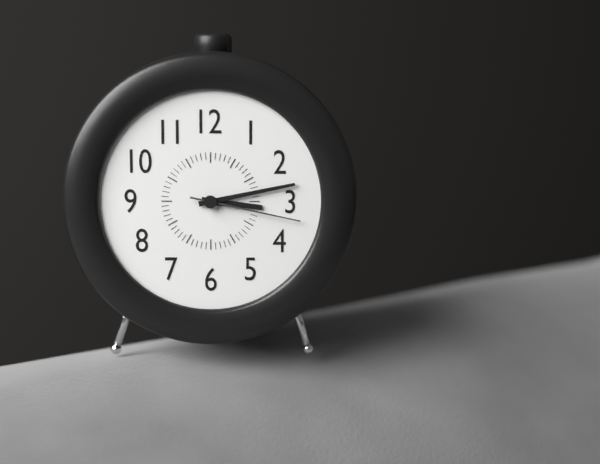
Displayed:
h=3 m=13 s=17
